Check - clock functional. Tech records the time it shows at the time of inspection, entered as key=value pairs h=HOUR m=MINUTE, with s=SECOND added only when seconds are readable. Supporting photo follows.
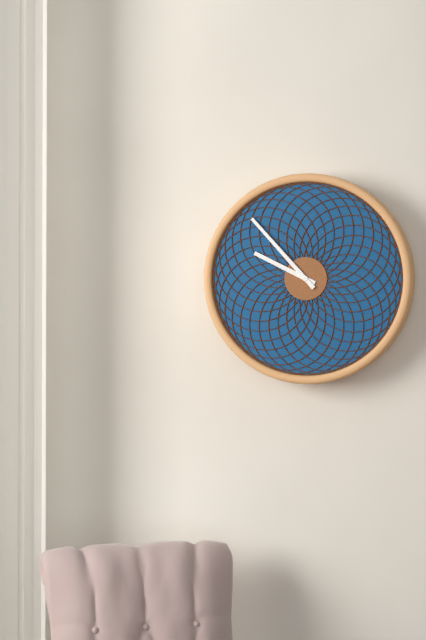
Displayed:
h=9 m=53
